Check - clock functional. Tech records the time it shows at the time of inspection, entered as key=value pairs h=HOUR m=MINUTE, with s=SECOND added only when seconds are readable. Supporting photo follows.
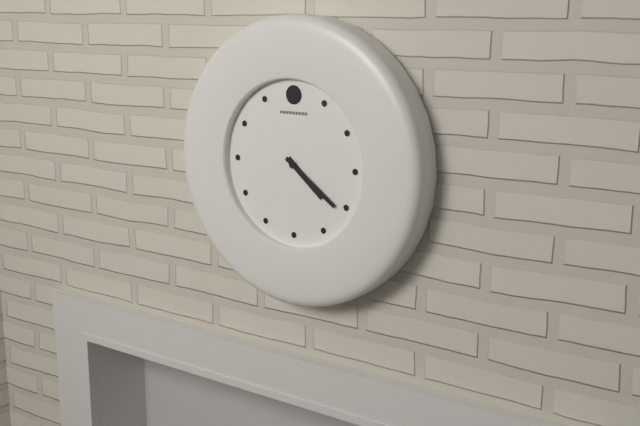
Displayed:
h=4 m=21
